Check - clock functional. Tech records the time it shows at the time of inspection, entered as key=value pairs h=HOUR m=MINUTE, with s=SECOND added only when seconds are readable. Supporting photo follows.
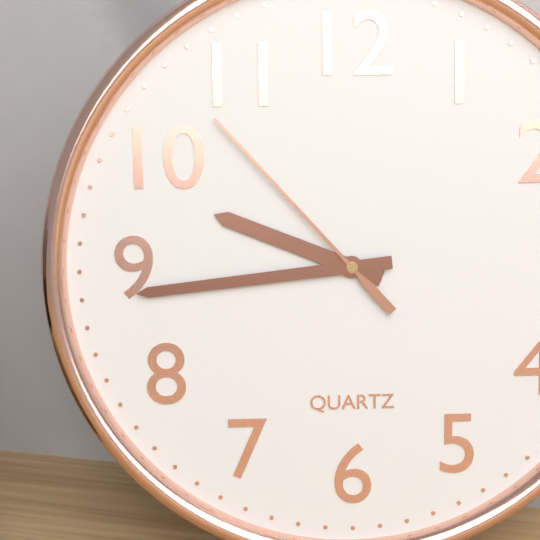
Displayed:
h=9 m=44 s=53
